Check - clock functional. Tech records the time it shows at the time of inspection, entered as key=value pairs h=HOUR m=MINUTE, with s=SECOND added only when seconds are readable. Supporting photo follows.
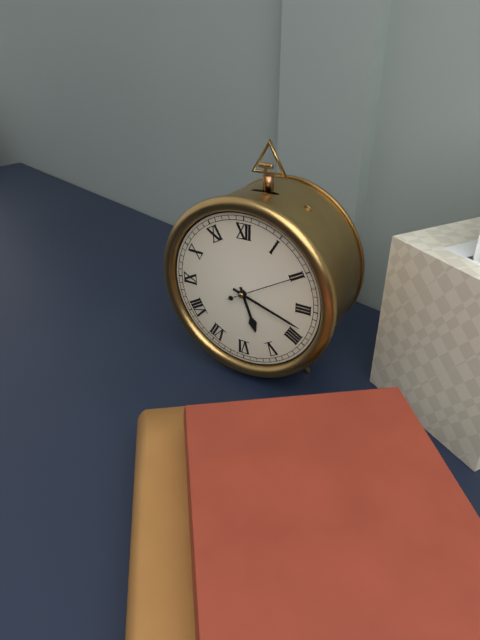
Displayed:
h=5 m=18 s=10
